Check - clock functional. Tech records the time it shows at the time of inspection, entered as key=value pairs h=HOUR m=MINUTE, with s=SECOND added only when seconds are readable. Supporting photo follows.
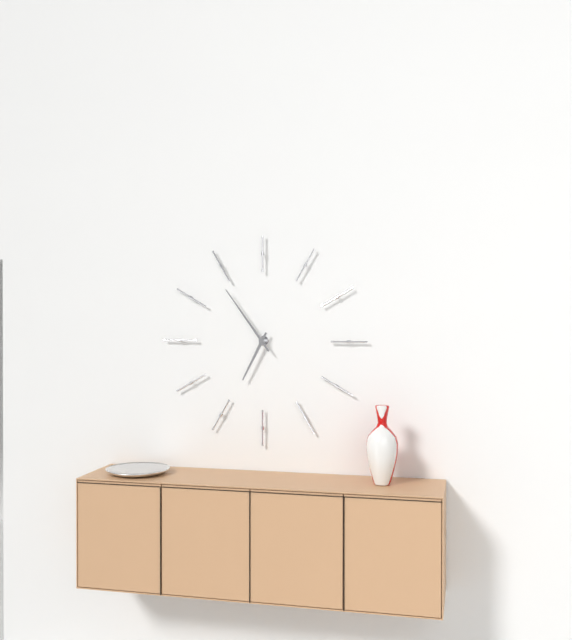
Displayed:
h=6 m=54
